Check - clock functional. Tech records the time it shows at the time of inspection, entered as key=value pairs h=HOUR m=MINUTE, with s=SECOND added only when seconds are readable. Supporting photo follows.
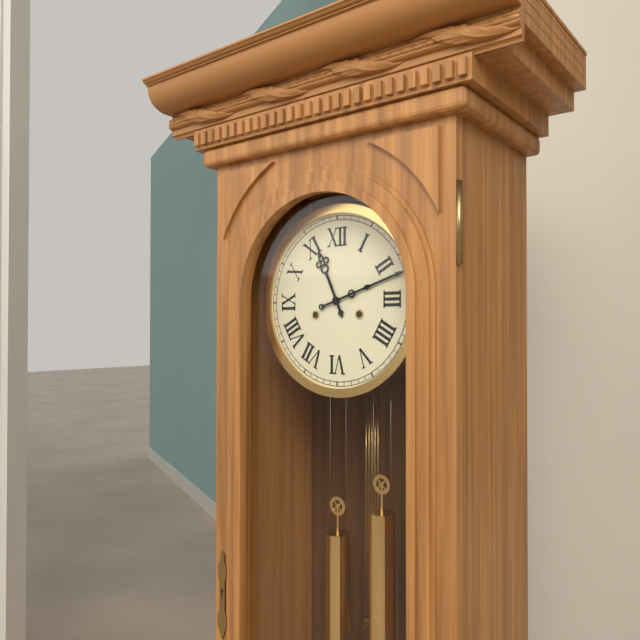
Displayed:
h=11 m=12
